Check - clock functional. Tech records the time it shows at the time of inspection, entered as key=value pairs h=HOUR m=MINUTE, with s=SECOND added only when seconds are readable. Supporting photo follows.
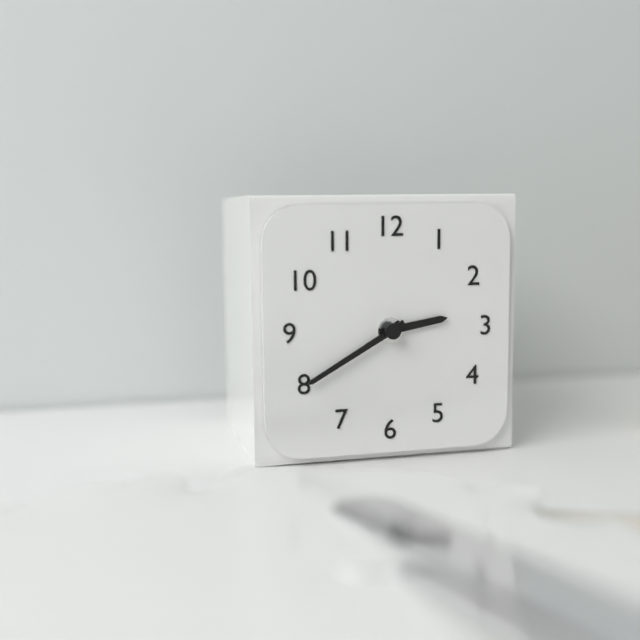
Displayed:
h=2 m=40
